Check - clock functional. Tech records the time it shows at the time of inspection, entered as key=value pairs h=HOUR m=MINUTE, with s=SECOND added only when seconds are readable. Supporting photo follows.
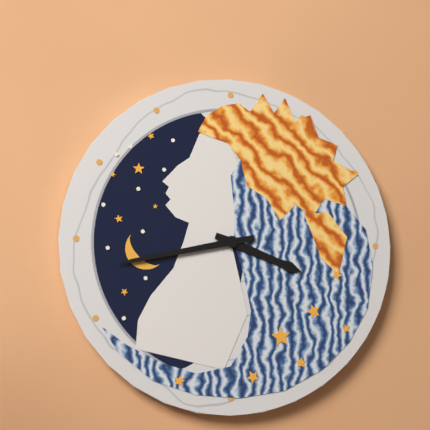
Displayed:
h=3 m=43
